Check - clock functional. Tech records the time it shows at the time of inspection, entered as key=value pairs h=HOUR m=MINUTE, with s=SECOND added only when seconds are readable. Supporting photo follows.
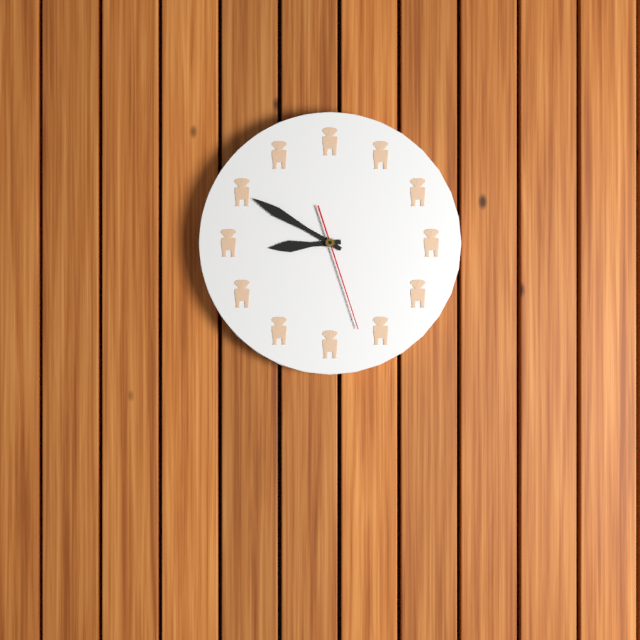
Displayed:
h=8 m=50 s=27
